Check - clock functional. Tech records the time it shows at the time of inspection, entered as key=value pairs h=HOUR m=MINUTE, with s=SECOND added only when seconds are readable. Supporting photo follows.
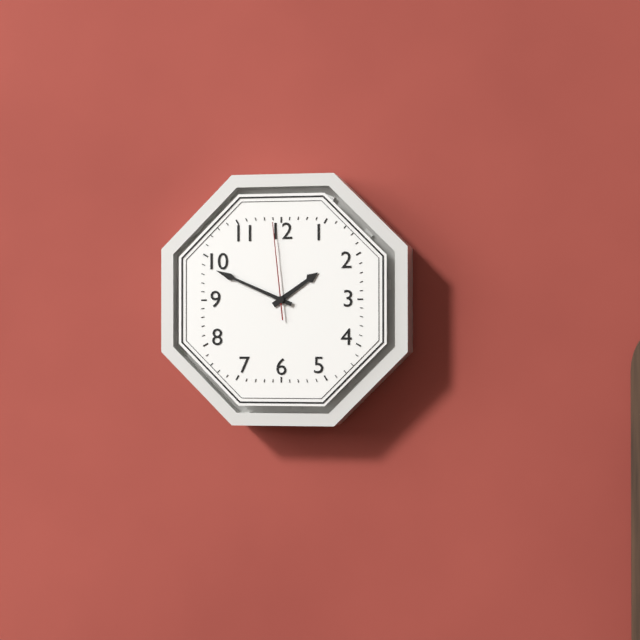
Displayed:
h=1 m=49 s=59
